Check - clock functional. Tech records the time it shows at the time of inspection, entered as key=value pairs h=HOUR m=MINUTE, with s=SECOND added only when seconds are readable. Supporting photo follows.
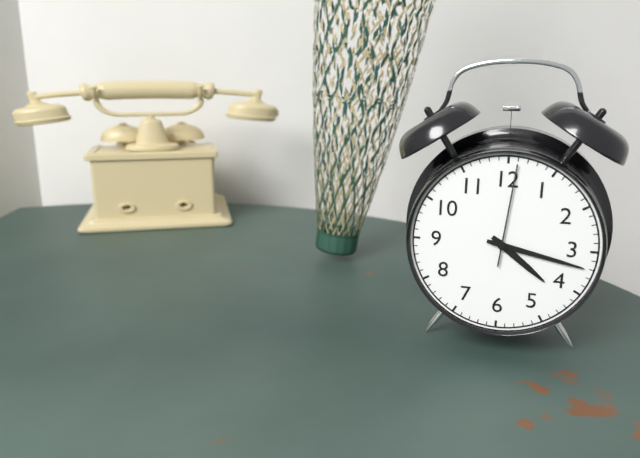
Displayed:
h=4 m=17 s=1
